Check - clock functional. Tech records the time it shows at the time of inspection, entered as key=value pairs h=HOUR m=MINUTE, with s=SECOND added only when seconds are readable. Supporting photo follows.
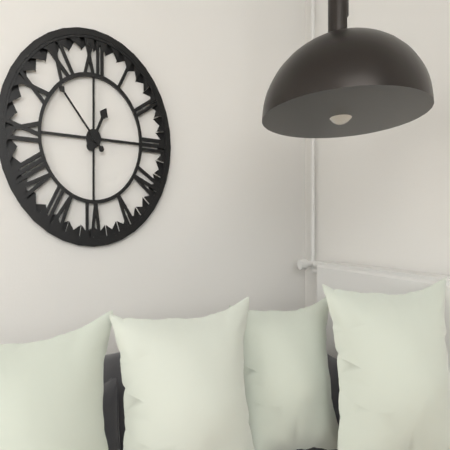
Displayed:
h=12 m=53
